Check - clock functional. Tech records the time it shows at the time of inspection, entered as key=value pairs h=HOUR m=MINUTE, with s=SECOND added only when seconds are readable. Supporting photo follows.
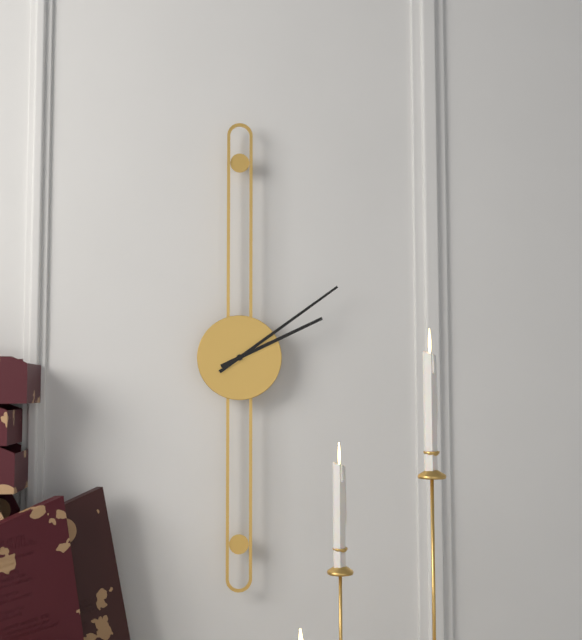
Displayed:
h=2 m=9
